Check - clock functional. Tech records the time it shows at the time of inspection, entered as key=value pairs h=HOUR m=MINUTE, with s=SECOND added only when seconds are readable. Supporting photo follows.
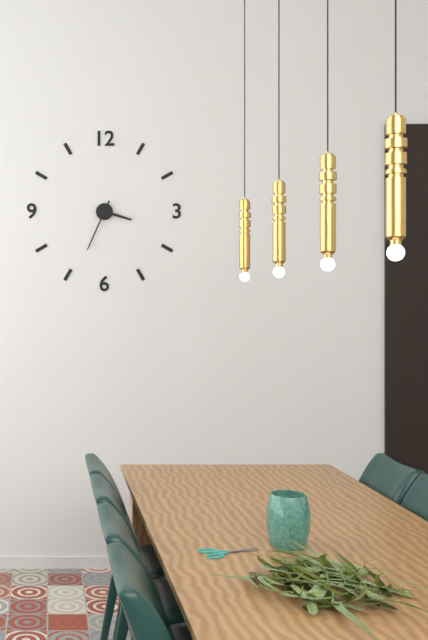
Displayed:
h=3 m=34
